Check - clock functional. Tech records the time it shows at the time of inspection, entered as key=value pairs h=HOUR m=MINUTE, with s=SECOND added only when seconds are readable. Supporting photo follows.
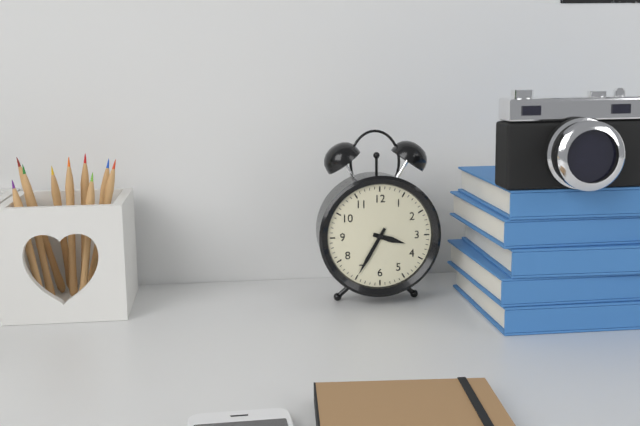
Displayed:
h=3 m=35
